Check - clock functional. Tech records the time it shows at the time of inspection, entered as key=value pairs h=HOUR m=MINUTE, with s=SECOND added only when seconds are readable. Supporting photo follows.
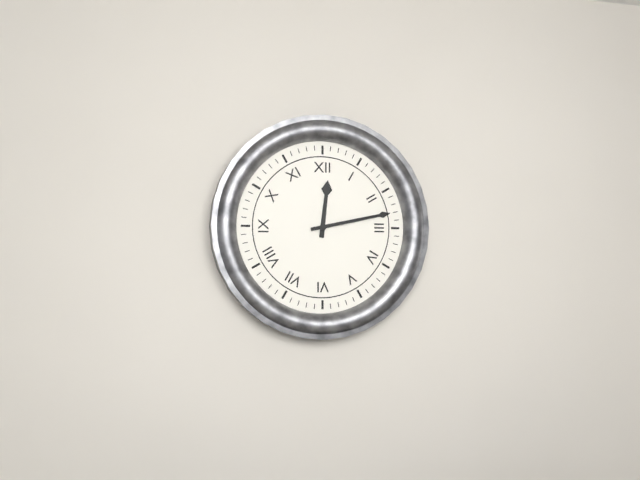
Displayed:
h=12 m=13
